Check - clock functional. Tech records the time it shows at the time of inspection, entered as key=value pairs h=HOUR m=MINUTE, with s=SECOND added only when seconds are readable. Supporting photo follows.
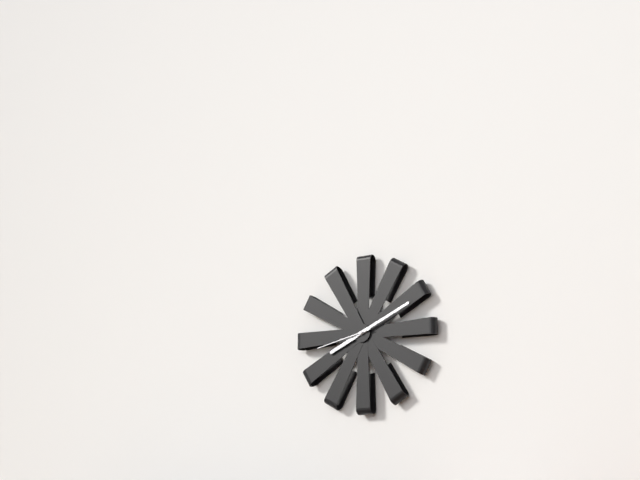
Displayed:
h=8 m=11 s=43
